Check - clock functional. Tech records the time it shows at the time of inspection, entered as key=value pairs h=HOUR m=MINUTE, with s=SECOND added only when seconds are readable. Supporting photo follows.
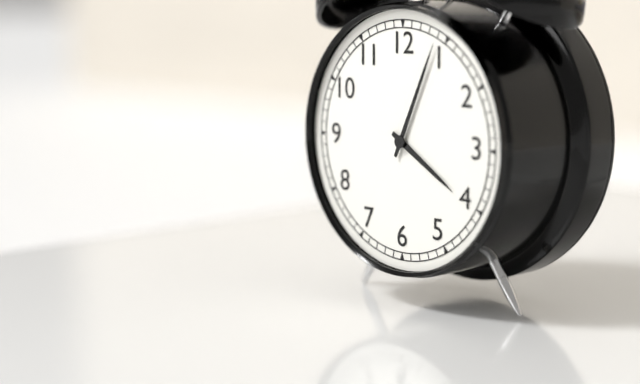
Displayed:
h=4 m=4
